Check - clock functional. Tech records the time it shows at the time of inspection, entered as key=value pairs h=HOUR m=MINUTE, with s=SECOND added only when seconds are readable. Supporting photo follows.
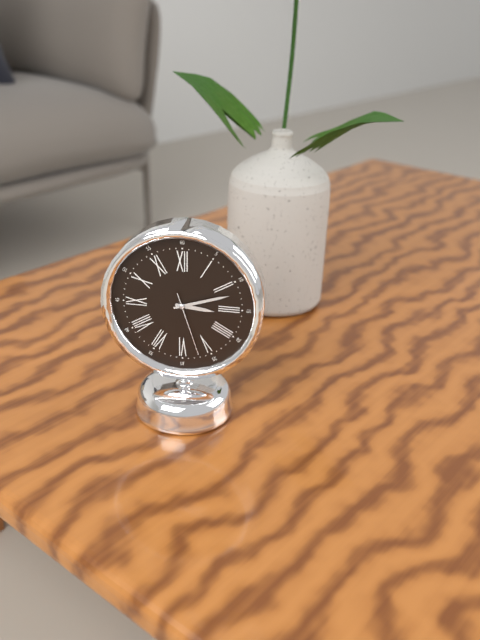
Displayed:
h=3 m=12 s=27
